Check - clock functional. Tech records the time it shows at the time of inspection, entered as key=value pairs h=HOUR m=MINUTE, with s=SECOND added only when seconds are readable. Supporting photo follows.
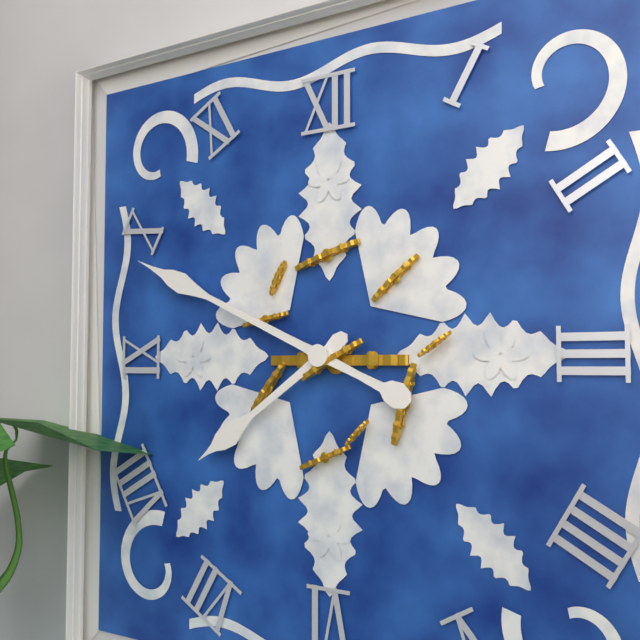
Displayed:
h=7 m=49
